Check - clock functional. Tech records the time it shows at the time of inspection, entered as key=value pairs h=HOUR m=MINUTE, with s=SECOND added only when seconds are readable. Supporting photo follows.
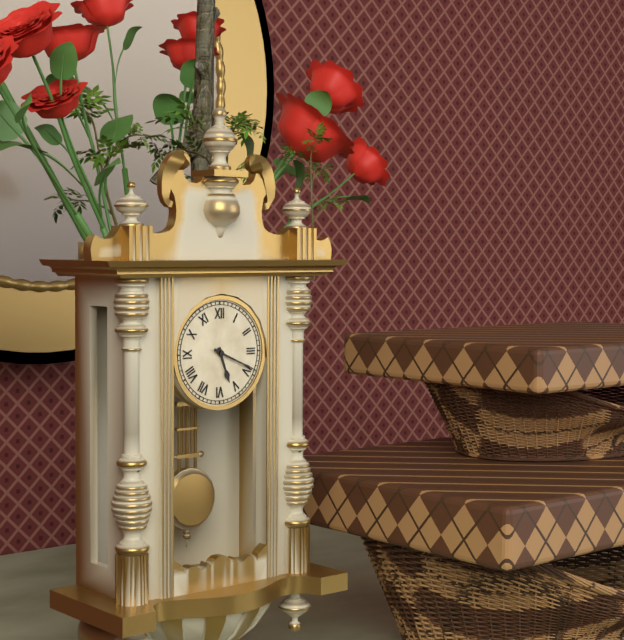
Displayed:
h=5 m=19
